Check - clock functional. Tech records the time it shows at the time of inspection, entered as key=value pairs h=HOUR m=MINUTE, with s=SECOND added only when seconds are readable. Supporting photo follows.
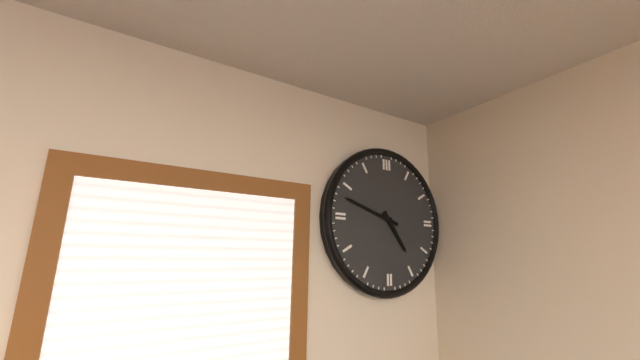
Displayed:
h=4 m=48
